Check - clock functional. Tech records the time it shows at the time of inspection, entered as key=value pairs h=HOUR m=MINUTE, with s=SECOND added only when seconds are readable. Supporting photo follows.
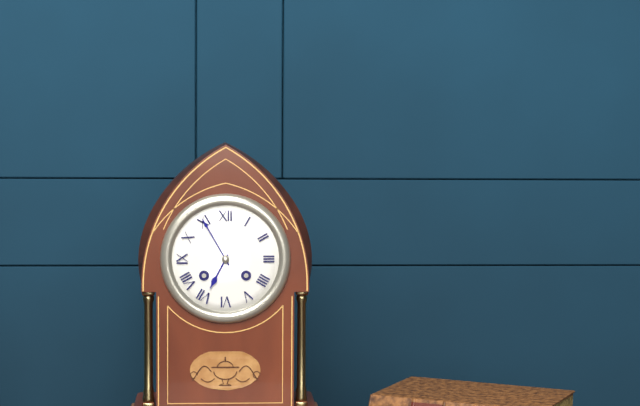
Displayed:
h=6 m=55
